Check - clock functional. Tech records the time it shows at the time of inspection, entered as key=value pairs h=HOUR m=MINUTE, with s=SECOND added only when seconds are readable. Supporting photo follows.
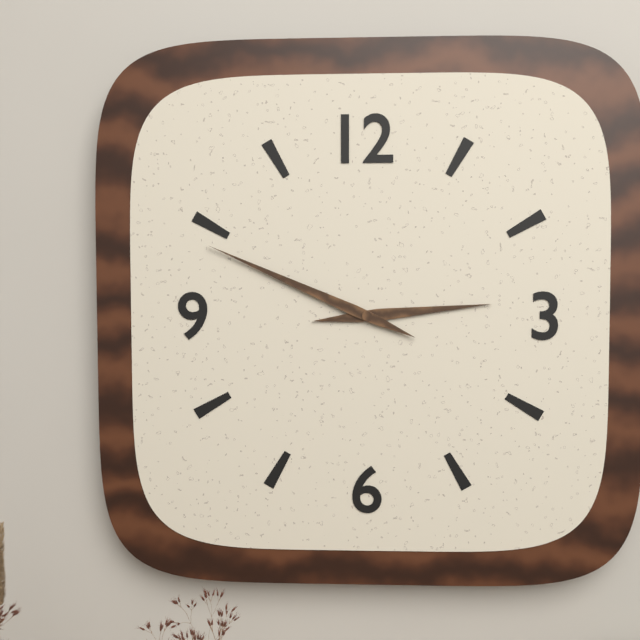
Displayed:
h=2 m=49
